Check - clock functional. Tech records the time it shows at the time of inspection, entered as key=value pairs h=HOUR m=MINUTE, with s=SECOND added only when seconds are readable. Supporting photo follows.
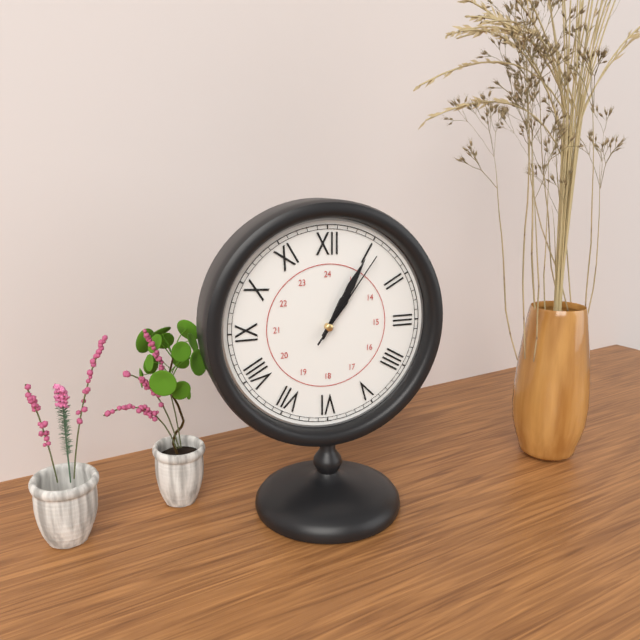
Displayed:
h=1 m=5 s=6
